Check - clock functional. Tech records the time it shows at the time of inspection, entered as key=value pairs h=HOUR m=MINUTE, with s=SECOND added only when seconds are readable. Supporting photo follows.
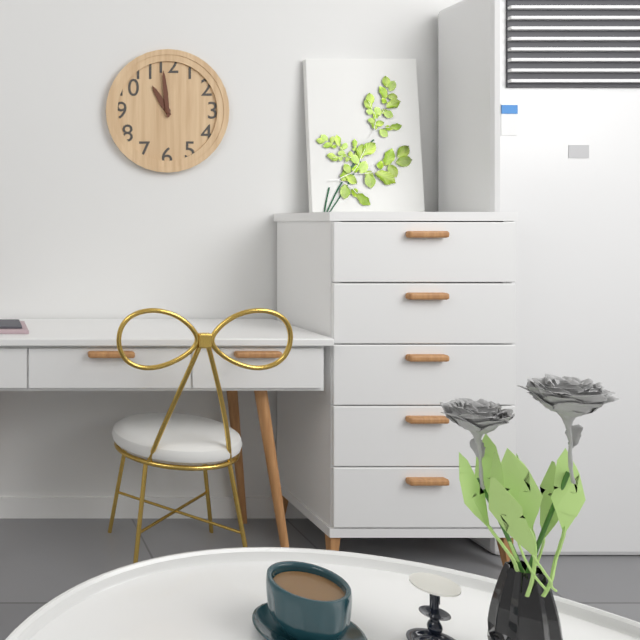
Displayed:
h=10 m=59
